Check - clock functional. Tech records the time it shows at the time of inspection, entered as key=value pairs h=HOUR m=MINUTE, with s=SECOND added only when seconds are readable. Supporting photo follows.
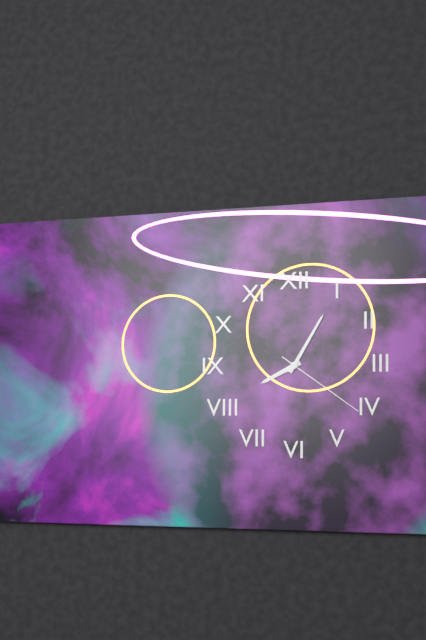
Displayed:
h=8 m=5 s=21
